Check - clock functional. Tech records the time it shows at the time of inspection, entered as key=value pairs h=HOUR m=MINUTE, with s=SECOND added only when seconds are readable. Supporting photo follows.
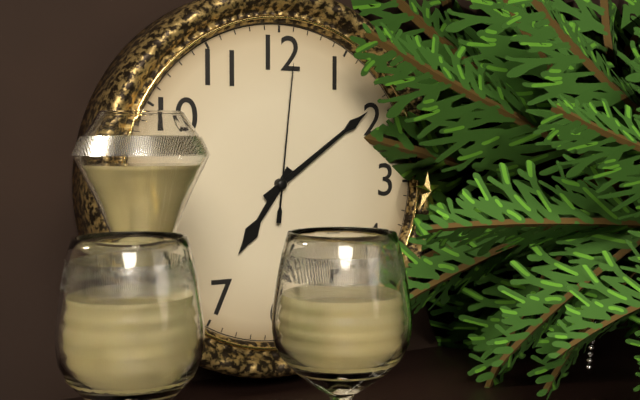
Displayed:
h=7 m=9 s=1
